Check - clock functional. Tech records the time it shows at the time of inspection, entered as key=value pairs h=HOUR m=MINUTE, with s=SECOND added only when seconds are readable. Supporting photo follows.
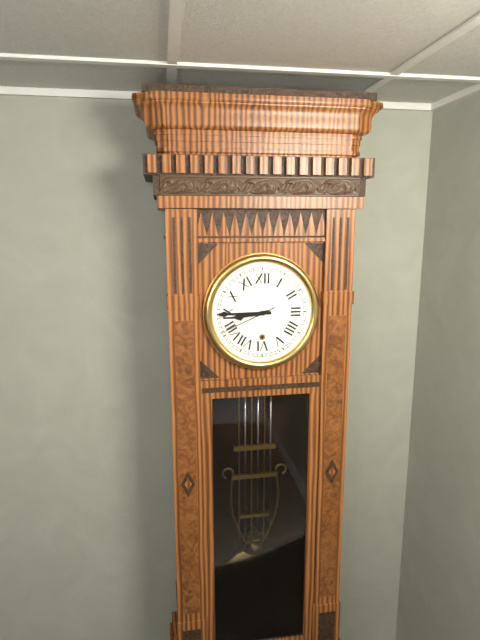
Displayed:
h=8 m=45 s=41
